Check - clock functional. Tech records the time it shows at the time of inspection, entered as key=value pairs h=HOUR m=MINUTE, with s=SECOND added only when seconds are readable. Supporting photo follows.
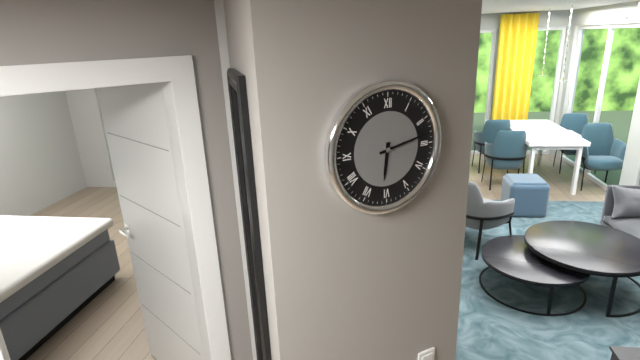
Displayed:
h=6 m=13
